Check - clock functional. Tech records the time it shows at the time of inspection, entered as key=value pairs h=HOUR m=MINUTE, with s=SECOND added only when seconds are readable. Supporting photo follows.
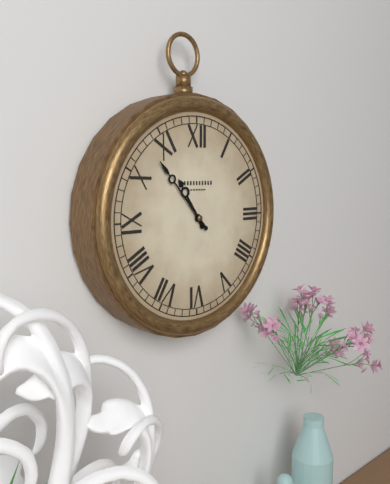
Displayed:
h=10 m=53
